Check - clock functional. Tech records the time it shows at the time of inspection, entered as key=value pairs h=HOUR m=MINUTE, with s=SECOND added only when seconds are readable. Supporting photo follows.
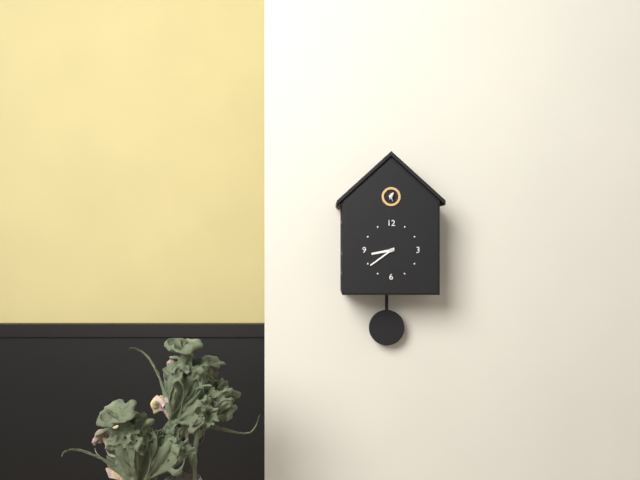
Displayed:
h=8 m=39
